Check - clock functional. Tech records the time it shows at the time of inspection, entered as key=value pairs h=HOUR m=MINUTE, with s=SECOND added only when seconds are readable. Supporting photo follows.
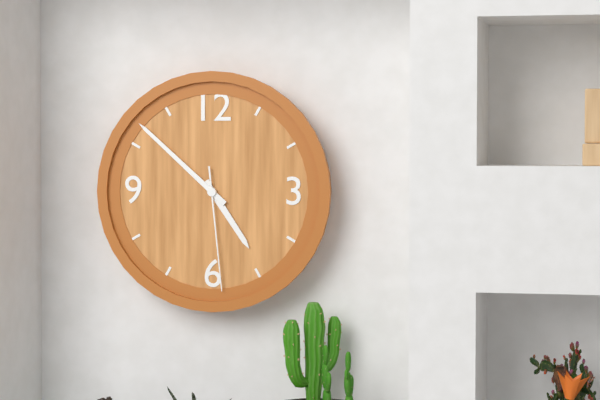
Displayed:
h=4 m=52 s=29
